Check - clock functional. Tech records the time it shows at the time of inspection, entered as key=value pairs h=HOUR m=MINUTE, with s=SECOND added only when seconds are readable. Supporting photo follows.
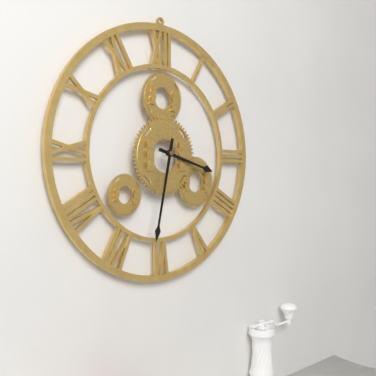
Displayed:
h=3 m=32
